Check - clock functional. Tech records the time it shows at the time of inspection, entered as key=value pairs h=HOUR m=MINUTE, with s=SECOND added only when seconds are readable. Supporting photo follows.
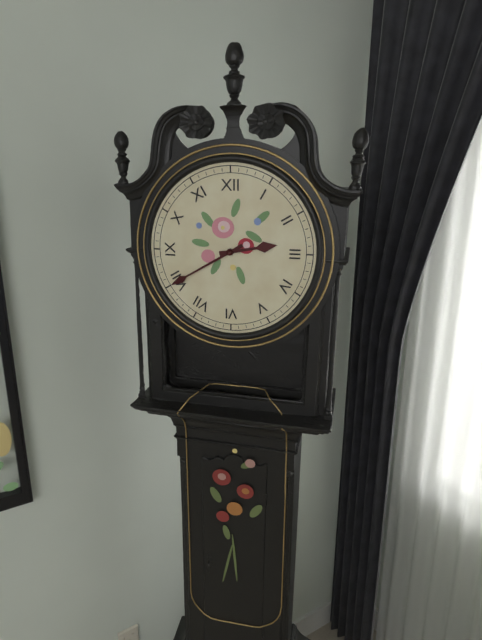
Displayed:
h=2 m=40
